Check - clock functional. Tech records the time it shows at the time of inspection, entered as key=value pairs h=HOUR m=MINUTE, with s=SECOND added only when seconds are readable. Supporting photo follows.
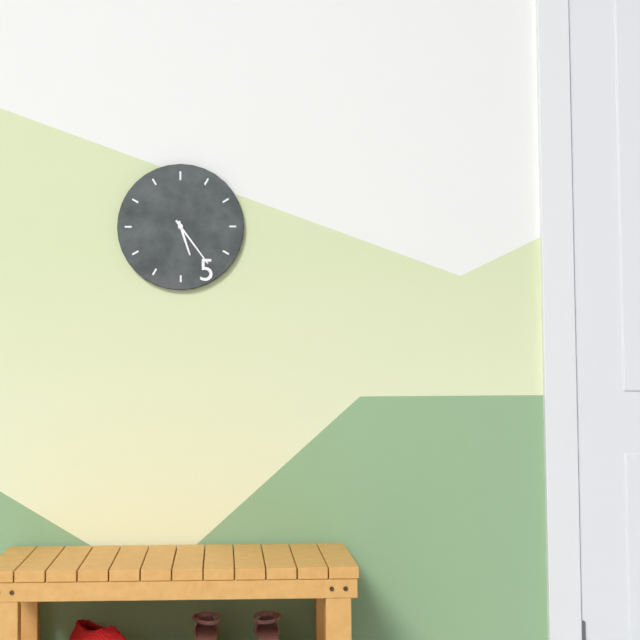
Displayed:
h=5 m=24
